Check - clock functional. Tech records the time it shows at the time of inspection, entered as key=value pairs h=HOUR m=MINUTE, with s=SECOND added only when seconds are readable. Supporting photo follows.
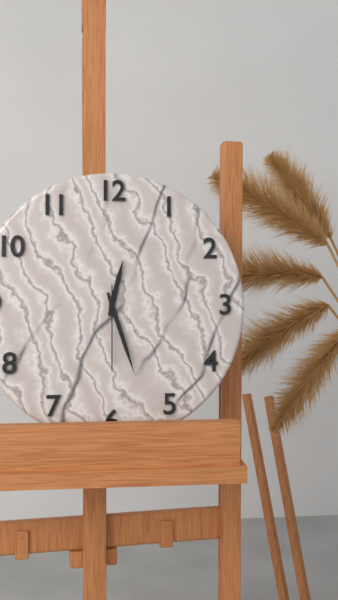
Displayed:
h=12 m=27 s=30
